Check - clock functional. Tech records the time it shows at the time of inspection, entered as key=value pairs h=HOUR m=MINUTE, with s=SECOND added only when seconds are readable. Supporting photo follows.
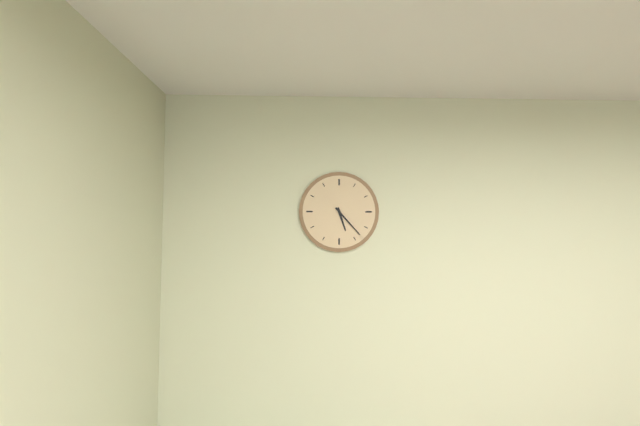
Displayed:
h=5 m=23
